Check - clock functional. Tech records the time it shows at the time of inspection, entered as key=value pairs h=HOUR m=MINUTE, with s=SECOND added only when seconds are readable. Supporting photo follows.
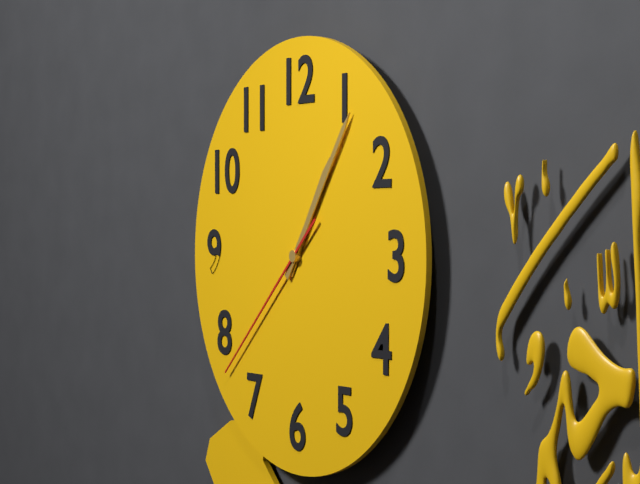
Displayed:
h=1 m=6 s=38
